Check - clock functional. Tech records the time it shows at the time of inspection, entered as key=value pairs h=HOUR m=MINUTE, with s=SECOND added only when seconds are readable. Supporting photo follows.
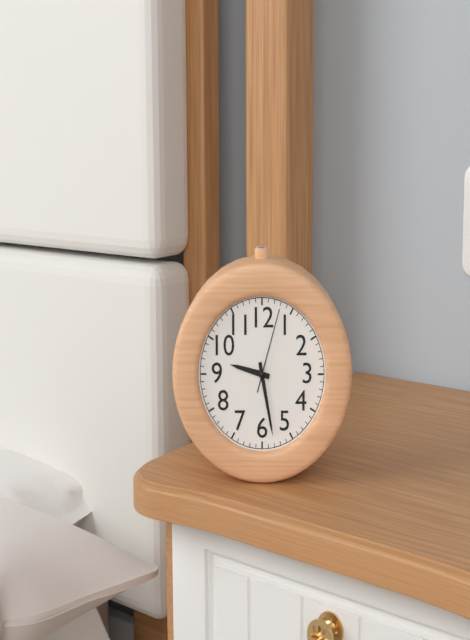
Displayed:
h=9 m=28 s=3
